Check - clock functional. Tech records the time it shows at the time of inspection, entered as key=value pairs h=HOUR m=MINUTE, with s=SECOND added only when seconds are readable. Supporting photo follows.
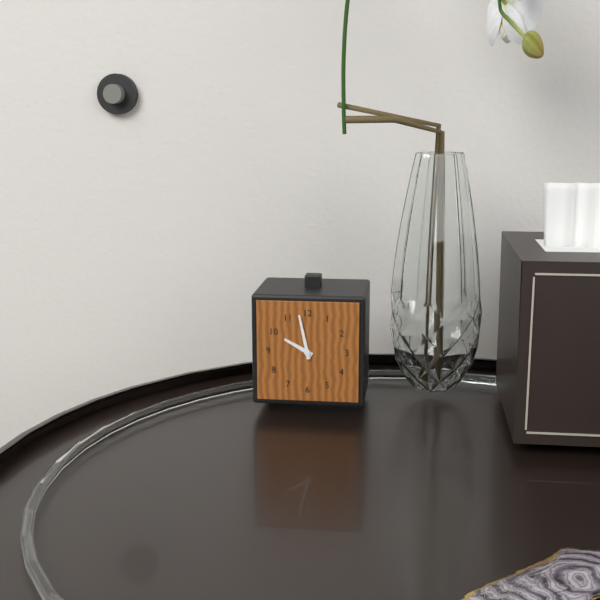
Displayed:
h=9 m=58
